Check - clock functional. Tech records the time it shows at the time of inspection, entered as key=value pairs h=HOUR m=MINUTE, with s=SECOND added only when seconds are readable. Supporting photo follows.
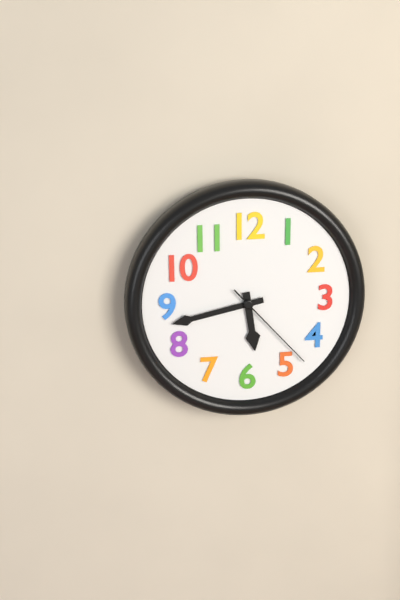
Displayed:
h=5 m=43 s=23
